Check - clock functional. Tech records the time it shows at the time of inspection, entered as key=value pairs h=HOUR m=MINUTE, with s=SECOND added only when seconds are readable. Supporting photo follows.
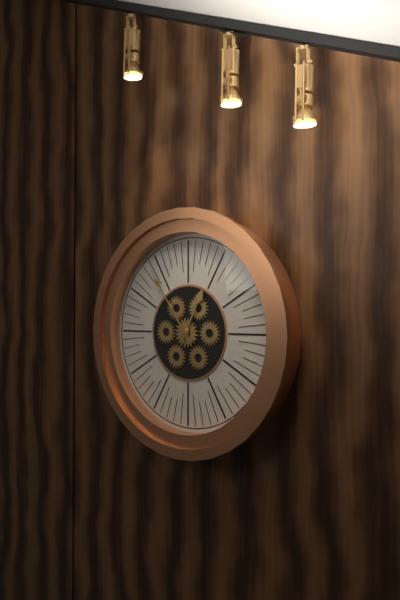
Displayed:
h=12 m=54
